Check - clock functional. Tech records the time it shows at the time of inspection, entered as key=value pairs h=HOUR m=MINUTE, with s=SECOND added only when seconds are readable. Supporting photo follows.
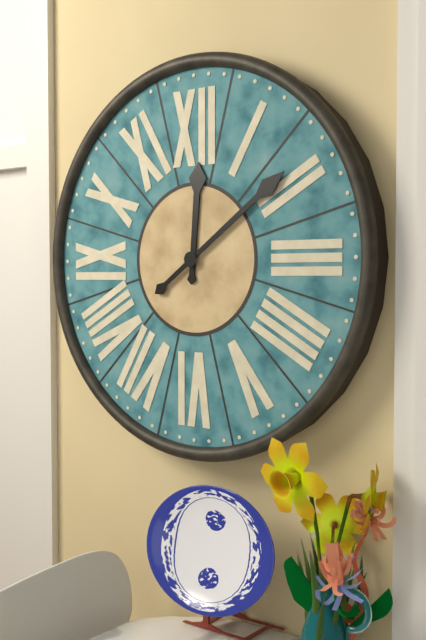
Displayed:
h=12 m=9
